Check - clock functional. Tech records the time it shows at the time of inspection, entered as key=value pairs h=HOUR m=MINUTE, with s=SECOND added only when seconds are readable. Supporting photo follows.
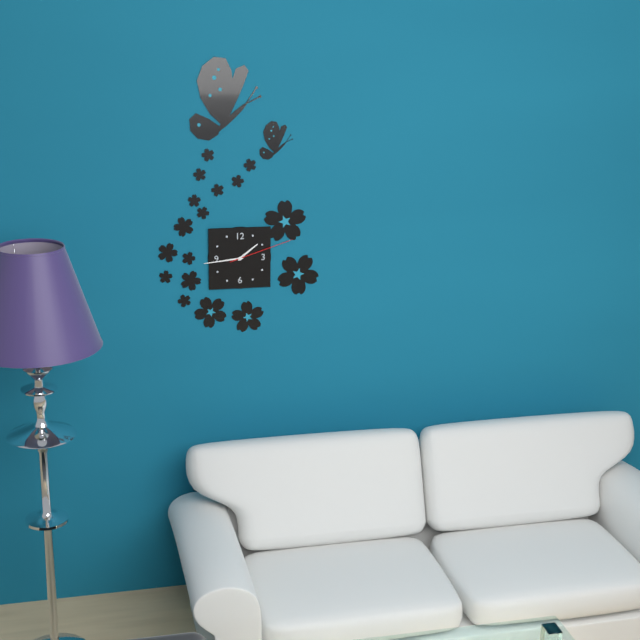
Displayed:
h=1 m=44 s=12
